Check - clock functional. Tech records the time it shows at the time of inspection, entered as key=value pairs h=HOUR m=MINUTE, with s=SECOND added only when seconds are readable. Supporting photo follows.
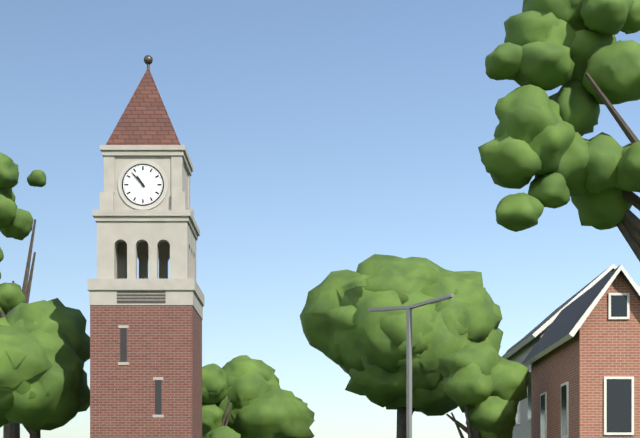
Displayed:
h=10 m=53
